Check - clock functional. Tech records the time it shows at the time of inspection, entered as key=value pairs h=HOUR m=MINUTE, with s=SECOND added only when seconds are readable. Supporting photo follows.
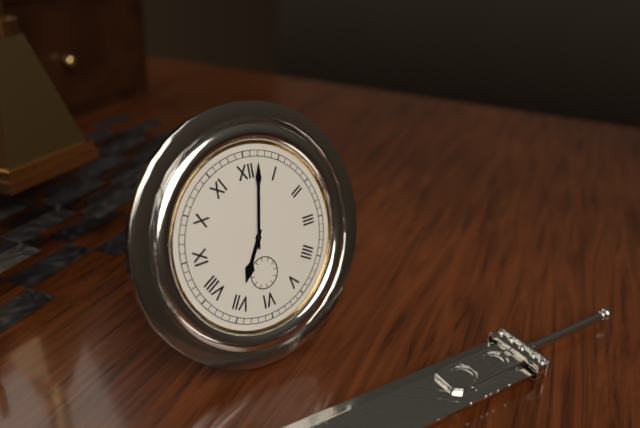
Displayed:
h=7 m=2
